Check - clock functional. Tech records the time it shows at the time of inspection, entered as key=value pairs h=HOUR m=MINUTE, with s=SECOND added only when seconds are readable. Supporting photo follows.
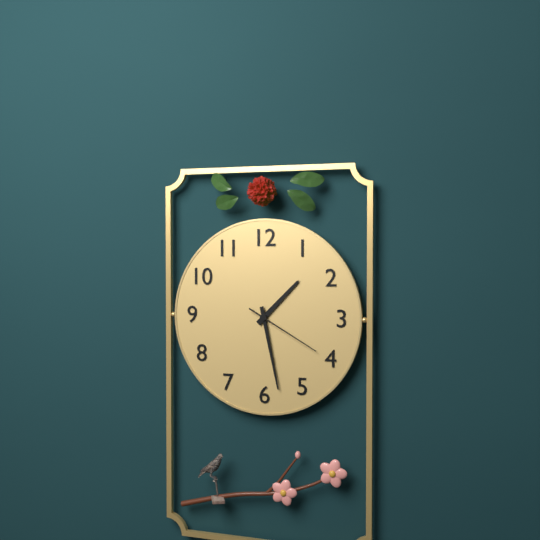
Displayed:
h=1 m=28 s=20
